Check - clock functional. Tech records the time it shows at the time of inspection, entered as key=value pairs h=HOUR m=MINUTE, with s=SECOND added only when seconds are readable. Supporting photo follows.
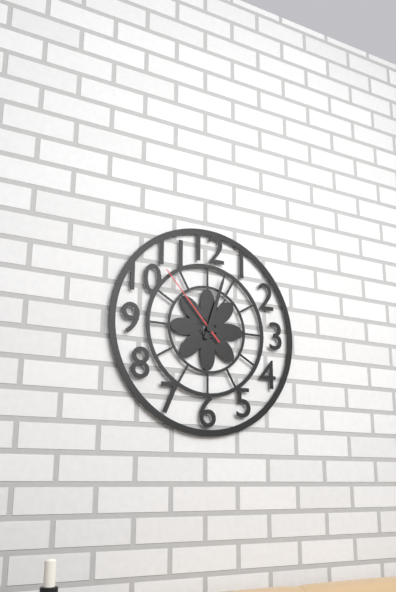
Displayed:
h=1 m=3 s=53
